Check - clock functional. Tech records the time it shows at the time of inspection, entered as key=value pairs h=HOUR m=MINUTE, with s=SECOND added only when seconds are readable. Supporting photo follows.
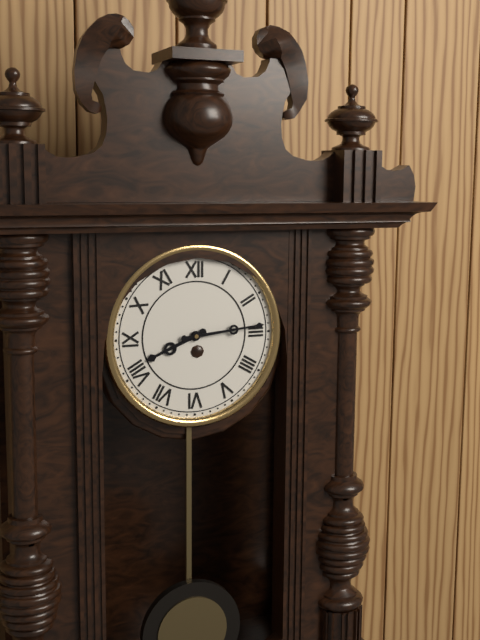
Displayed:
h=8 m=14
